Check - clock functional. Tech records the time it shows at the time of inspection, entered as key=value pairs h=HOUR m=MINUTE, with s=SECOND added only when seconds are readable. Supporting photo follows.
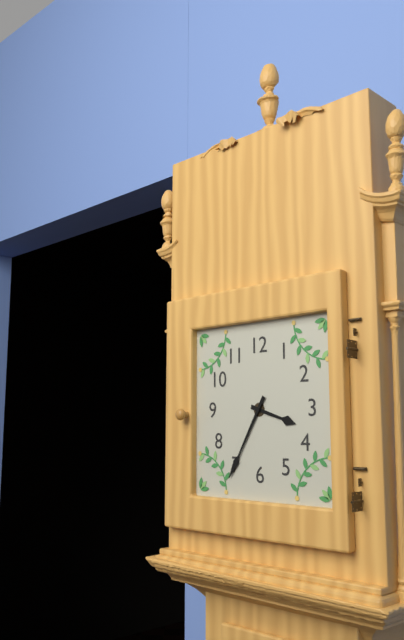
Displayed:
h=3 m=35
